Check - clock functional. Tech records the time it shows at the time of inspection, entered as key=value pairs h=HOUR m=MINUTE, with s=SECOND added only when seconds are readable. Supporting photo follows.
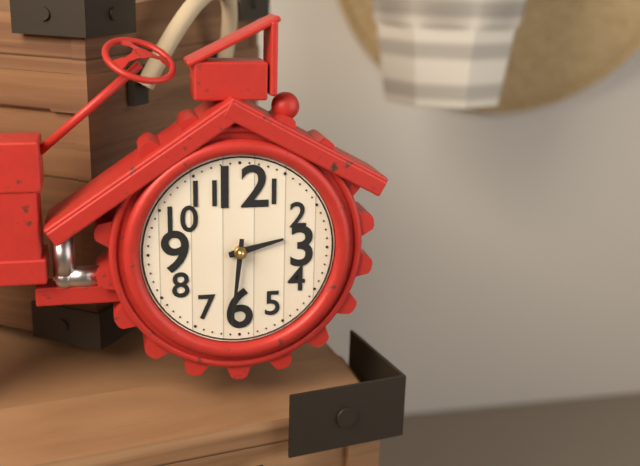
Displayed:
h=2 m=31
